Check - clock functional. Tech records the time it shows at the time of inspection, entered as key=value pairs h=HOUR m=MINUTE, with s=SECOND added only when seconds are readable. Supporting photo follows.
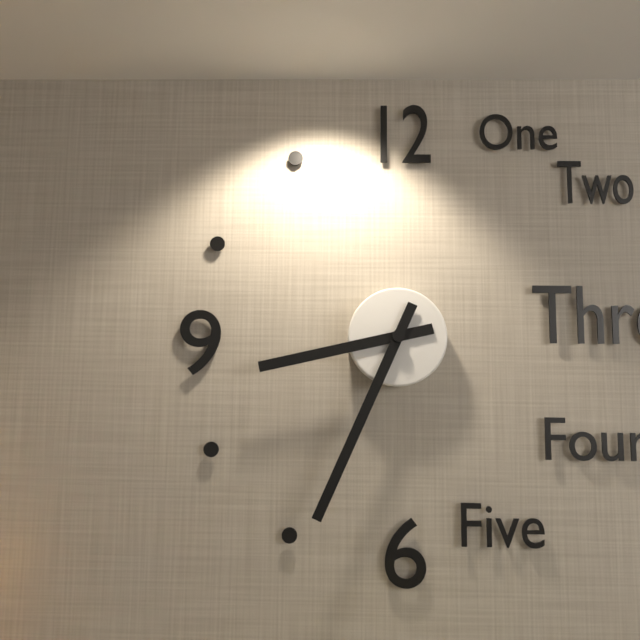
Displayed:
h=8 m=34
